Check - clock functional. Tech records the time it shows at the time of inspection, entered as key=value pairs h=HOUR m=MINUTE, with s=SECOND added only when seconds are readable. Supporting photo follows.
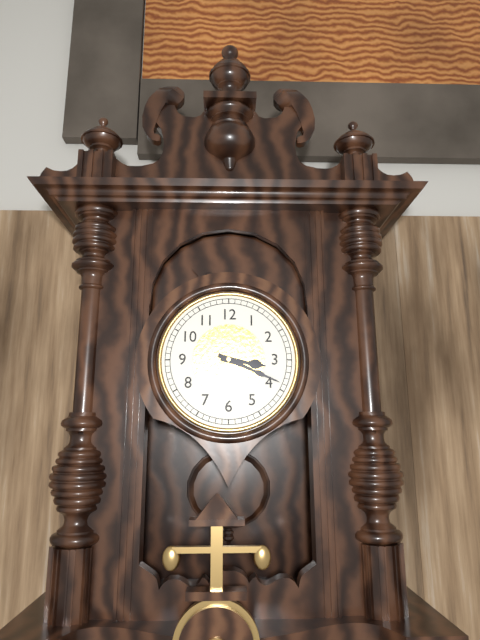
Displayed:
h=3 m=19
